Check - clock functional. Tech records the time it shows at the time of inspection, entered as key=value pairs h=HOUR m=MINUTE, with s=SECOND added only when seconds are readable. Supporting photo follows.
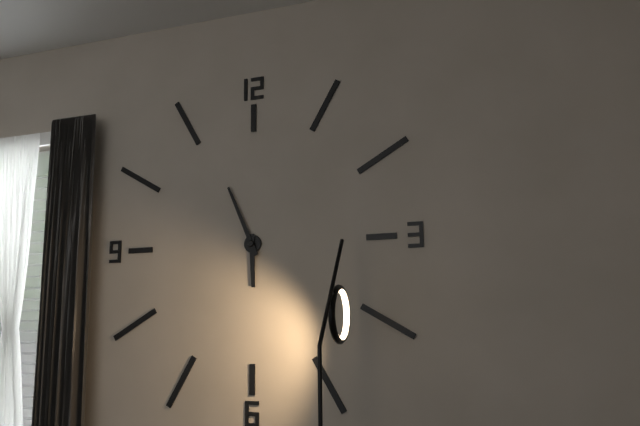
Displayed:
h=5 m=56
